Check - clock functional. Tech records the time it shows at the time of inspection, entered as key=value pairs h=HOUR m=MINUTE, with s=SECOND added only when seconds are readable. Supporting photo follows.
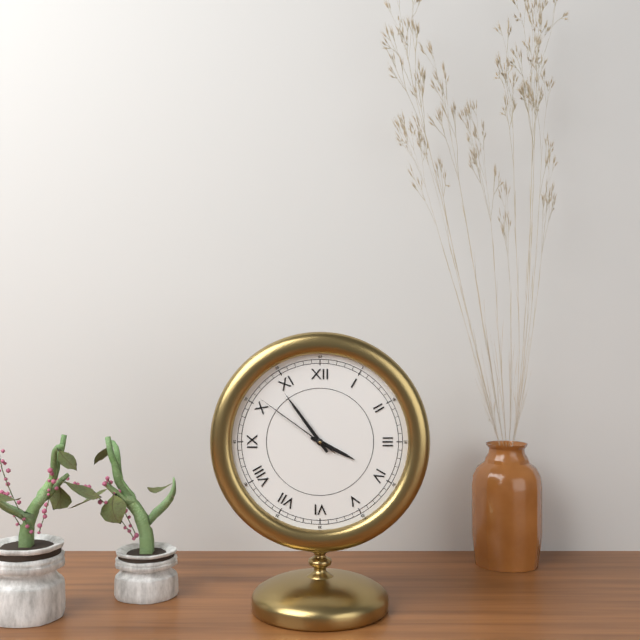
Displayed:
h=3 m=54 s=51
